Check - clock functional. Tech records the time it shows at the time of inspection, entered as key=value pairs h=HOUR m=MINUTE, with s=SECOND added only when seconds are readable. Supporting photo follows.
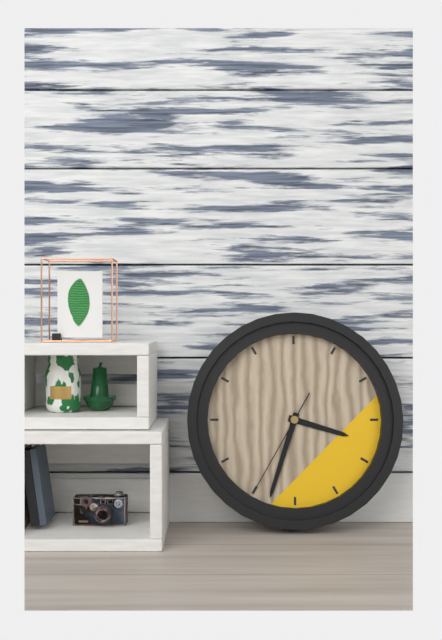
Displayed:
h=3 m=33 s=35
